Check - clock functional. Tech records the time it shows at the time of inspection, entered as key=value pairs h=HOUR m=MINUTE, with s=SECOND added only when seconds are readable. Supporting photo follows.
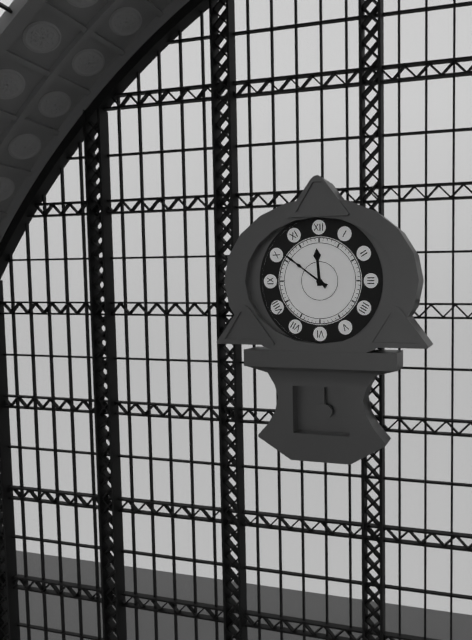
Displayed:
h=11 m=51
